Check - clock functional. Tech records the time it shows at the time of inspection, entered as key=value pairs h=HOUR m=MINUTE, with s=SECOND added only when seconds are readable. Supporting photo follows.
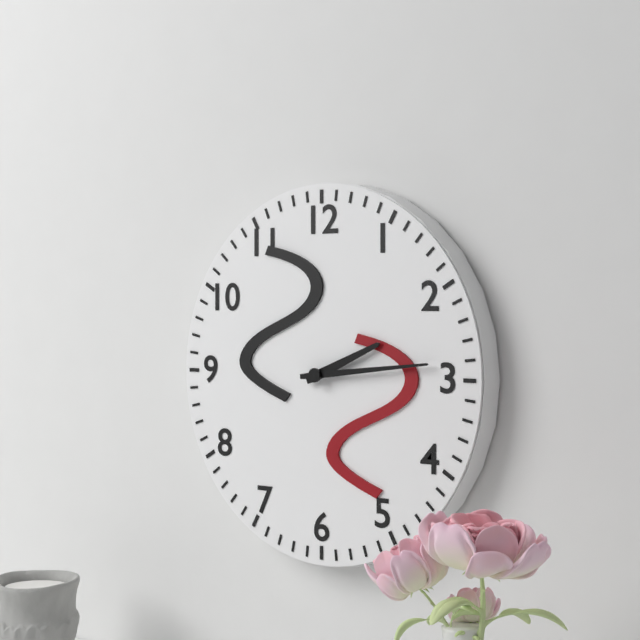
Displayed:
h=2 m=14
